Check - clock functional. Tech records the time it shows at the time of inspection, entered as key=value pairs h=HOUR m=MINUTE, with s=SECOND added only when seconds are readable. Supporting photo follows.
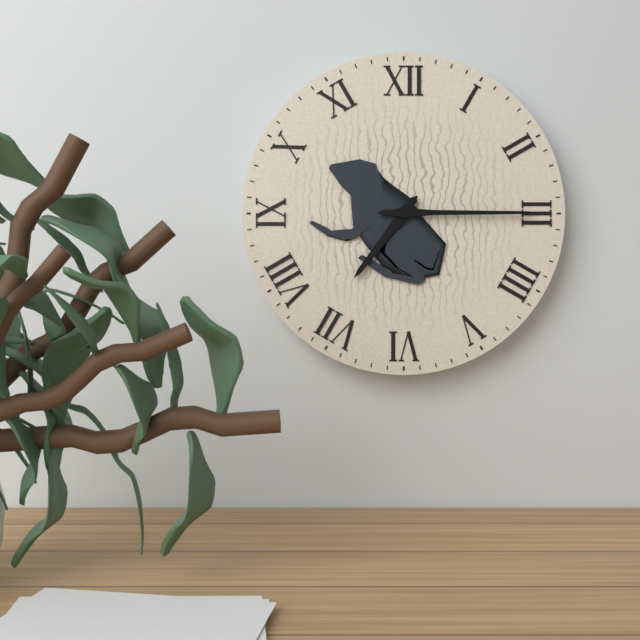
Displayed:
h=7 m=15
